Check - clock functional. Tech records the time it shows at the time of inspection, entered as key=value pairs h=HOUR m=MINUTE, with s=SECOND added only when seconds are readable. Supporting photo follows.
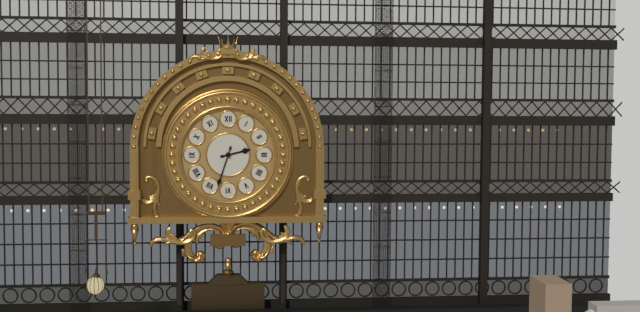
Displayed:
h=2 m=33
